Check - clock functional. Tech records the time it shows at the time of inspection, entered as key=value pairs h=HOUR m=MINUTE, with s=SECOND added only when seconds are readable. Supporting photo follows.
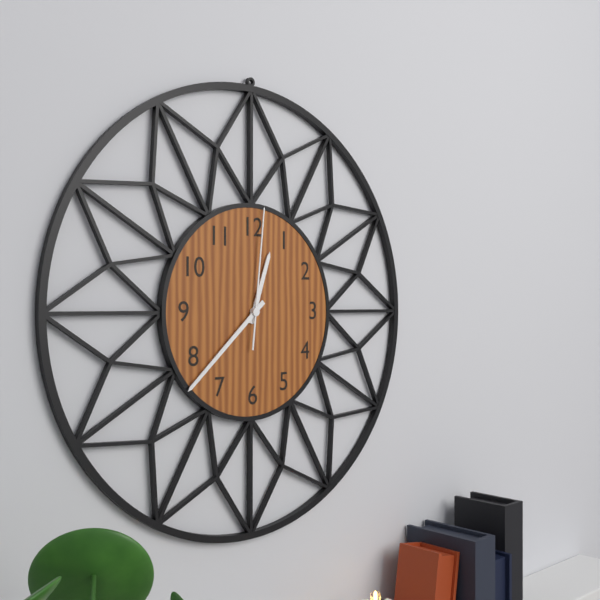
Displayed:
h=12 m=38 s=1
